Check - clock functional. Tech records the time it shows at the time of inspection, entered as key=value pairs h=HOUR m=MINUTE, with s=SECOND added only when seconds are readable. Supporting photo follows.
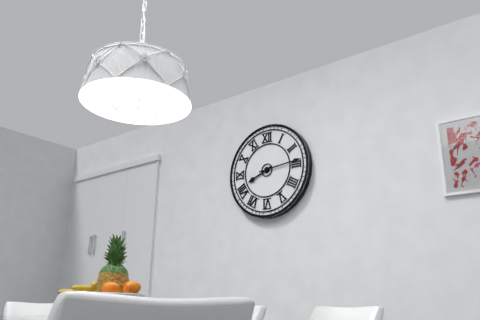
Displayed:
h=8 m=14
